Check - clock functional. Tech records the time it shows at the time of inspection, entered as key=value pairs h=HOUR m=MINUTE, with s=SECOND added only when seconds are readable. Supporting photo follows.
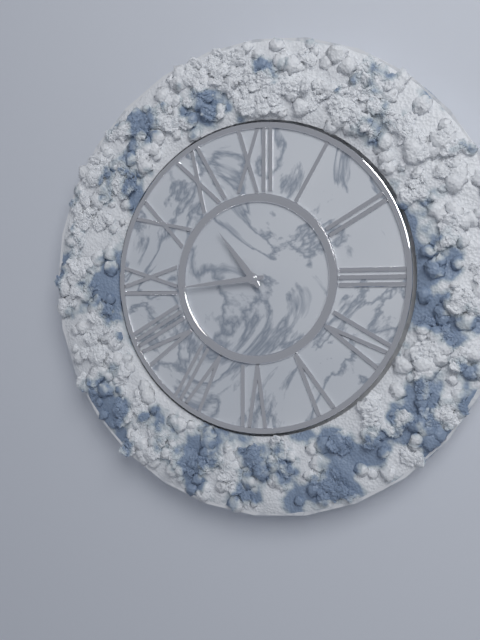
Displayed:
h=10 m=44
